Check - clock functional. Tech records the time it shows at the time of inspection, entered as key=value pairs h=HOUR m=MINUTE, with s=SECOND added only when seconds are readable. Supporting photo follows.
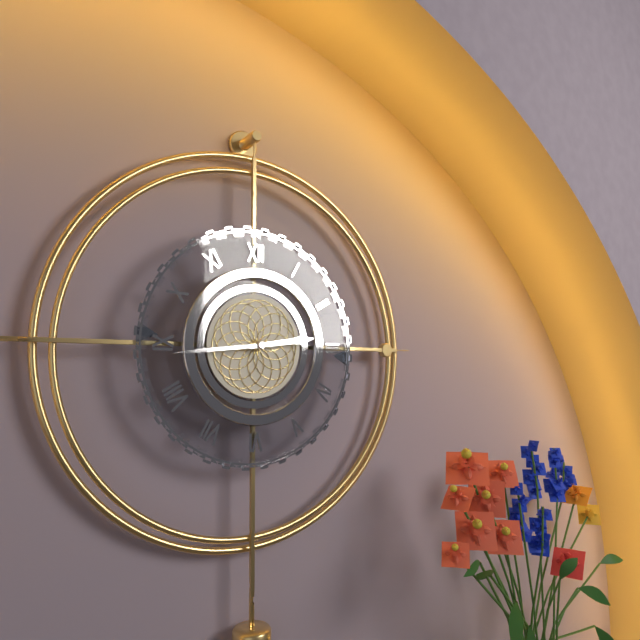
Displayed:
h=2 m=44
